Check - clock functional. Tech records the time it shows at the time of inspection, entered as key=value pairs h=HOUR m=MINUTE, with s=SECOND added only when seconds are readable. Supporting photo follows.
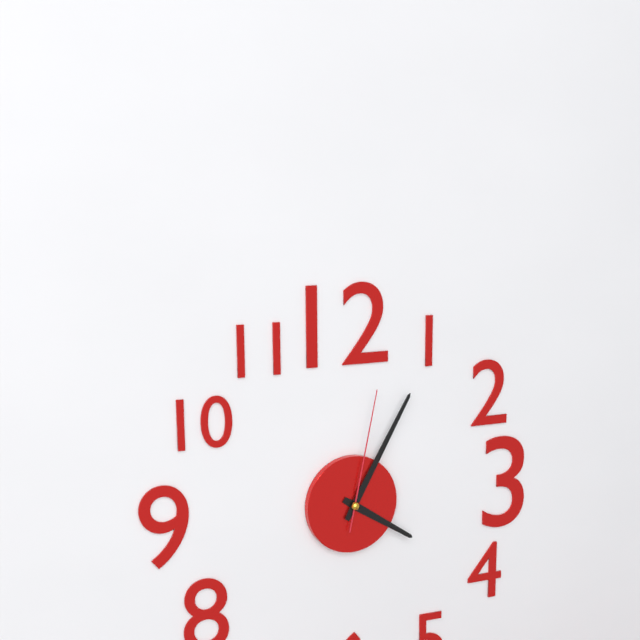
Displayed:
h=4 m=5 s=2
